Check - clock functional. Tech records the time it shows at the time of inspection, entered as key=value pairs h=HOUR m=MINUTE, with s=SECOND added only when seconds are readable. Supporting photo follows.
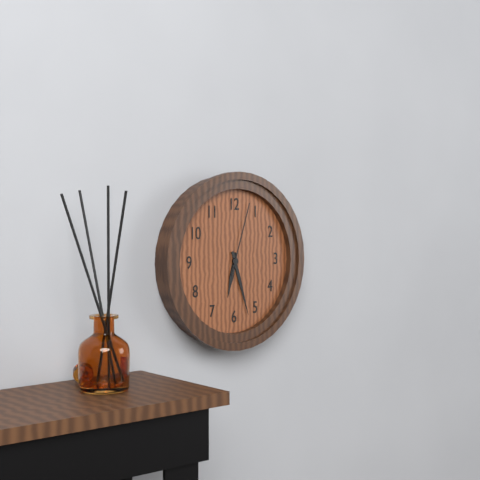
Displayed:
h=6 m=27 s=3
